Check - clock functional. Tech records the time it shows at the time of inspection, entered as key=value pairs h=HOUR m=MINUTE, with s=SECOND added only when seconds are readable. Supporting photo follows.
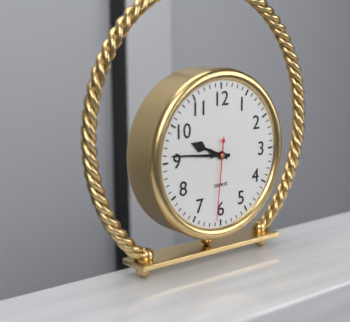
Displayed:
h=9 m=46 s=31
